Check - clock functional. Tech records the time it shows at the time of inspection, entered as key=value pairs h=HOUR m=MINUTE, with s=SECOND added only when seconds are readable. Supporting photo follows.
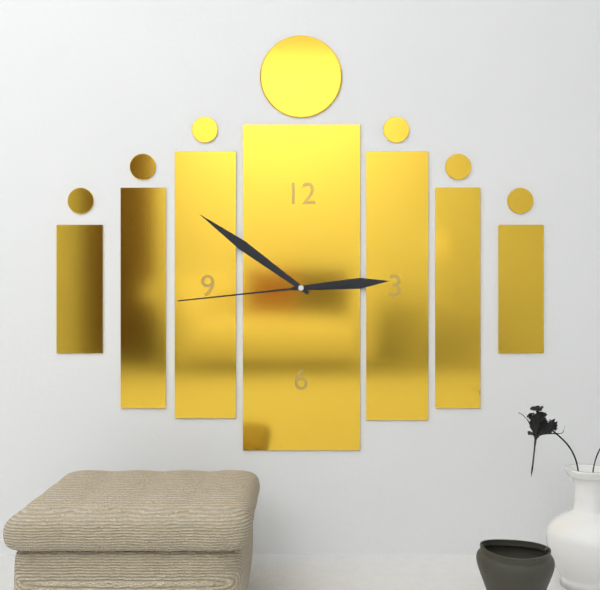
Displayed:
h=2 m=51 s=44
